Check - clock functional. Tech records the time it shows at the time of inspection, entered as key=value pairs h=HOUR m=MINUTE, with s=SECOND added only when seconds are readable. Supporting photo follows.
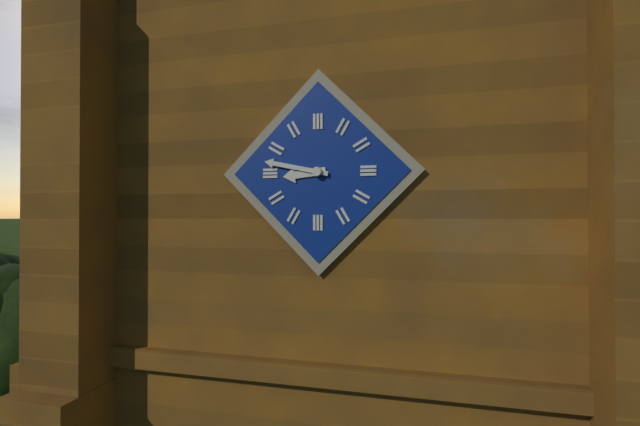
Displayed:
h=8 m=47
